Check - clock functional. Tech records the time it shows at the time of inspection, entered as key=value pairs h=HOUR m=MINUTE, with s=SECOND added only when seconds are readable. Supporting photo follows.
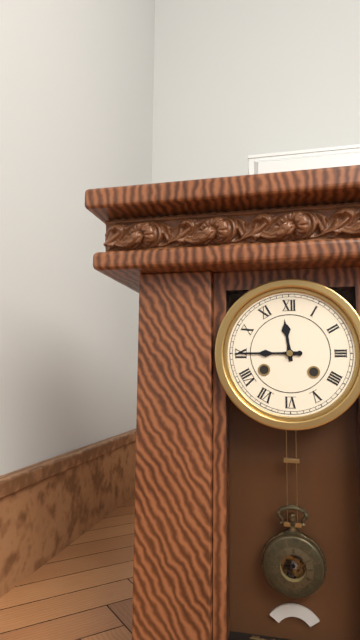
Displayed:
h=11 m=45
